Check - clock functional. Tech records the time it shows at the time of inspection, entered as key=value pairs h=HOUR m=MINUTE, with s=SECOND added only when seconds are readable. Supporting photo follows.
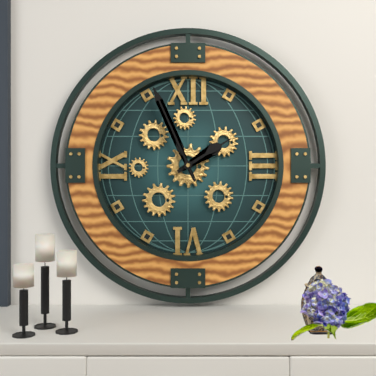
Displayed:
h=1 m=56
